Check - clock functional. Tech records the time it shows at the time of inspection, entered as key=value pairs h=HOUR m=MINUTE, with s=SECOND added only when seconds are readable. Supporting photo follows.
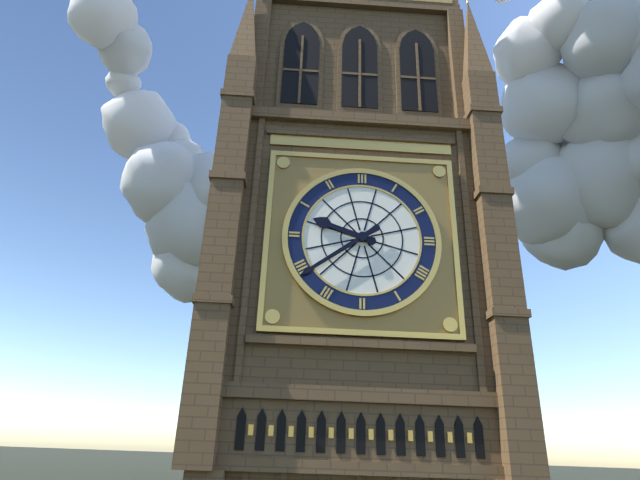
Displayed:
h=9 m=39
